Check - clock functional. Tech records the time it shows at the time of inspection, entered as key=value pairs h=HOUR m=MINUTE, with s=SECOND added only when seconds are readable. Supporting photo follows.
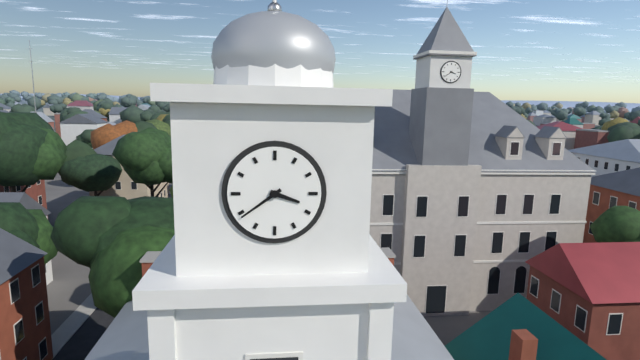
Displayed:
h=3 m=39
